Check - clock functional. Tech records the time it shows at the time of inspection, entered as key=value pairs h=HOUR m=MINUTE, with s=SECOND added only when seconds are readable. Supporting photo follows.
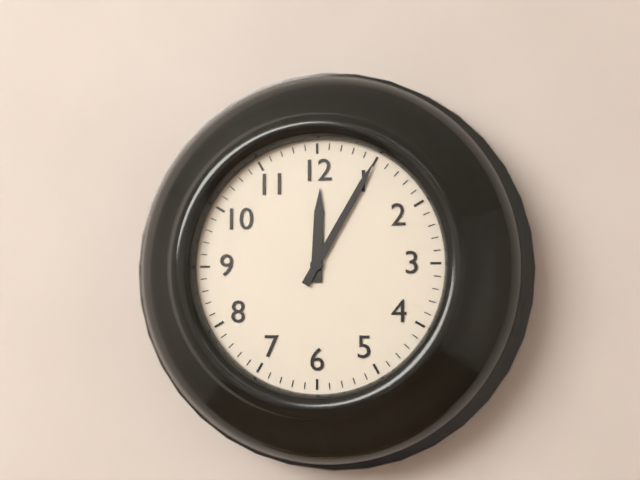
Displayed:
h=12 m=5
